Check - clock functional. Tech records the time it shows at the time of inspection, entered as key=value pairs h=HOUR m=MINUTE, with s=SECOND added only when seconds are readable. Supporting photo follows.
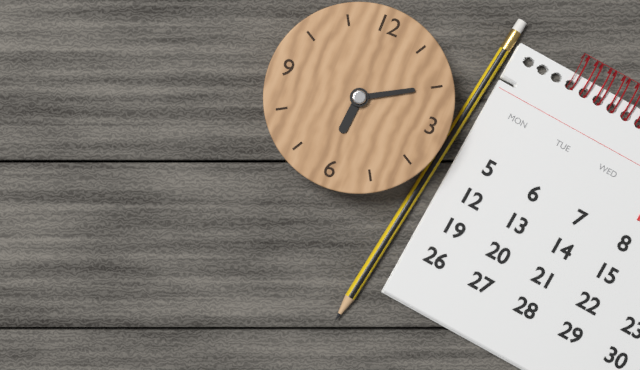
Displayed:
h=6 m=10
